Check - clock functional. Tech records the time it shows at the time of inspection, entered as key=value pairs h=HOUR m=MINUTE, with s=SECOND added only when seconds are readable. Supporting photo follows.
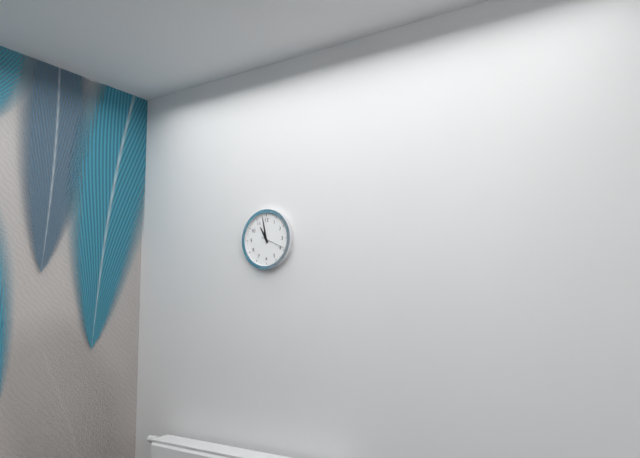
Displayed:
h=10 m=58
